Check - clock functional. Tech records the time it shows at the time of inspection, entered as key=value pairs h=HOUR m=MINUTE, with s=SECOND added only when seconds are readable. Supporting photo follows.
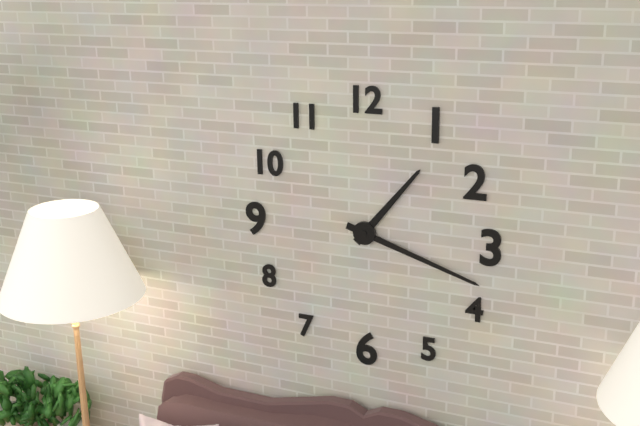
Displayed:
h=1 m=18
